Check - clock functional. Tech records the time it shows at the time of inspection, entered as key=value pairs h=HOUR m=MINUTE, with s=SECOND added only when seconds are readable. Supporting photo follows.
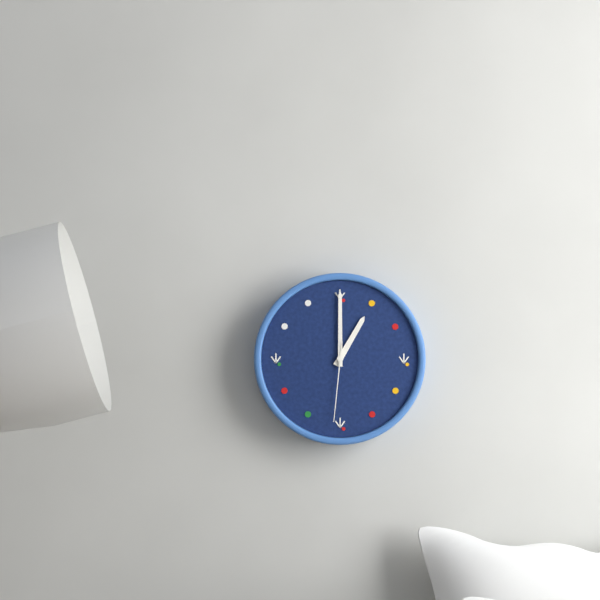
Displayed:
h=1 m=0 s=31
